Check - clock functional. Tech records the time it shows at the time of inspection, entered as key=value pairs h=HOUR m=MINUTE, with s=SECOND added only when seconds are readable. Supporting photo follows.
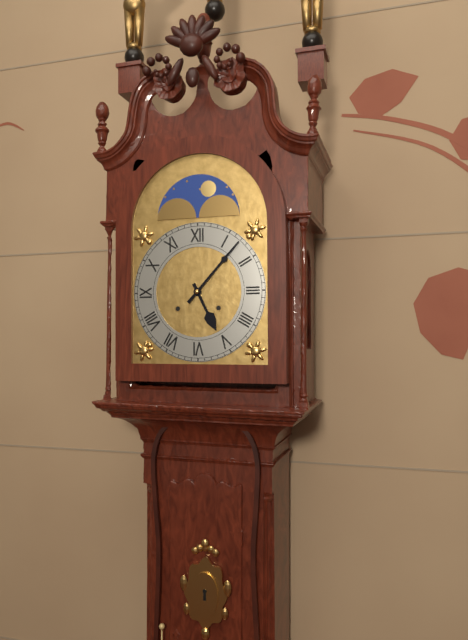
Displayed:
h=5 m=7
